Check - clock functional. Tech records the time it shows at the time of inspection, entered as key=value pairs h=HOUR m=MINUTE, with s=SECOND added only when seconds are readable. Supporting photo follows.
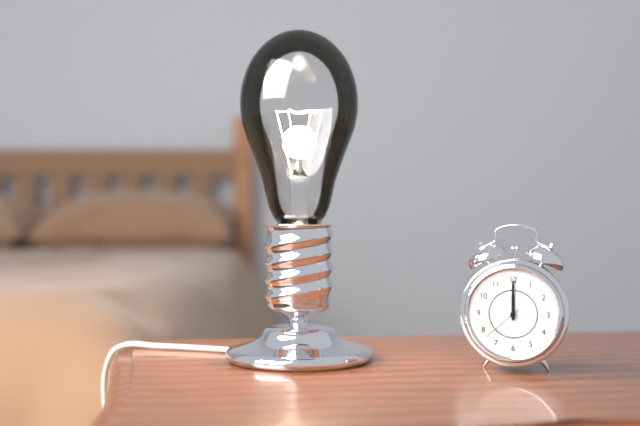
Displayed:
h=12 m=0
